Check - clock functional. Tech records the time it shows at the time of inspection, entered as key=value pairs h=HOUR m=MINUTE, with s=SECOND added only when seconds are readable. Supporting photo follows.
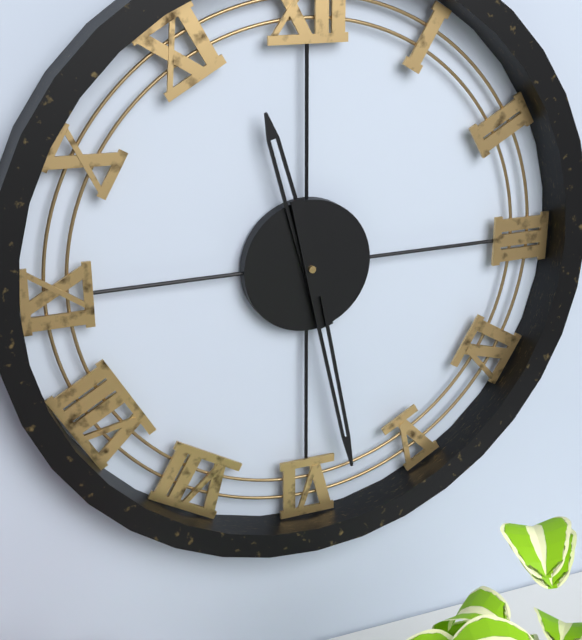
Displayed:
h=11 m=28
